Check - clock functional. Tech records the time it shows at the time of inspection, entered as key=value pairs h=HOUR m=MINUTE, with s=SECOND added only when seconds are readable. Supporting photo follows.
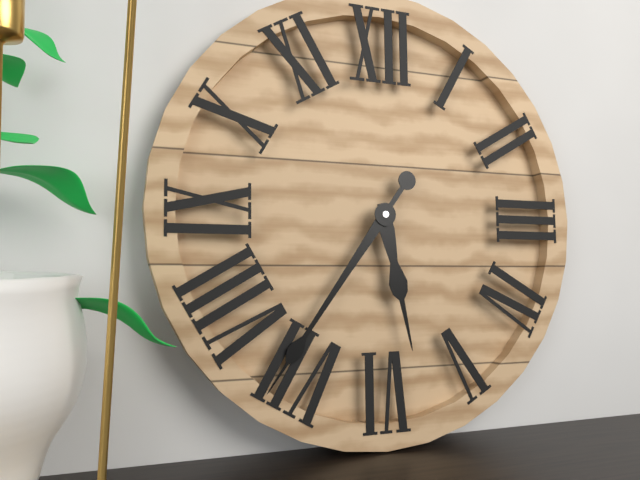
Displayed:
h=5 m=36
